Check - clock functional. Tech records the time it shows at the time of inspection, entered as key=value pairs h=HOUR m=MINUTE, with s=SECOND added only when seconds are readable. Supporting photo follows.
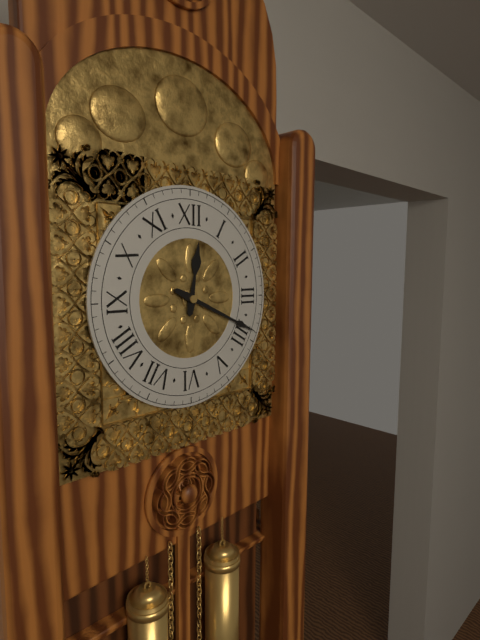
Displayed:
h=12 m=19
